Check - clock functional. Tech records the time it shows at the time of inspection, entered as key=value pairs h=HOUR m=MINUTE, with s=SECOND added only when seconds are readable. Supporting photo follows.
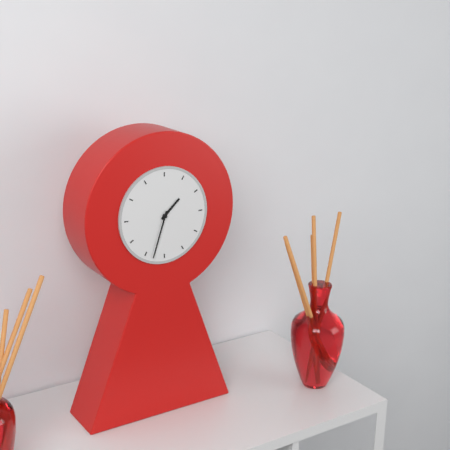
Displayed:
h=1 m=33
